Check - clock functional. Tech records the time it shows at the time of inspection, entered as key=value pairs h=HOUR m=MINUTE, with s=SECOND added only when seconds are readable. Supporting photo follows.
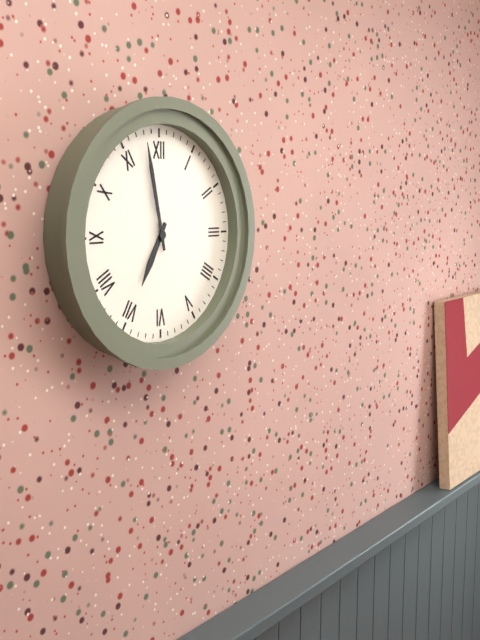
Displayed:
h=6 m=58
